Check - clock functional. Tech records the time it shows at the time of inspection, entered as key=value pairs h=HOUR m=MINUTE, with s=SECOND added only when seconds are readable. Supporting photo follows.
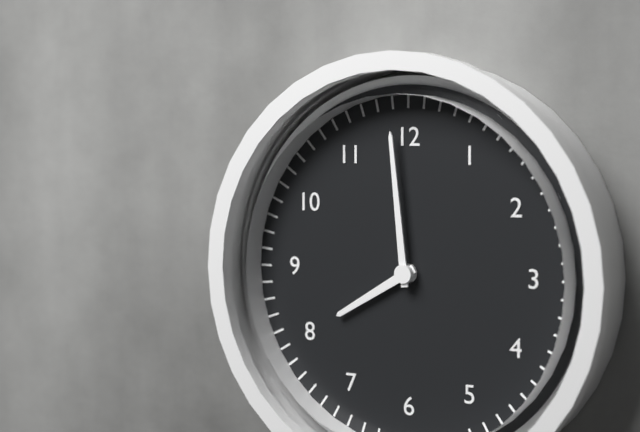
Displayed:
h=7 m=59
